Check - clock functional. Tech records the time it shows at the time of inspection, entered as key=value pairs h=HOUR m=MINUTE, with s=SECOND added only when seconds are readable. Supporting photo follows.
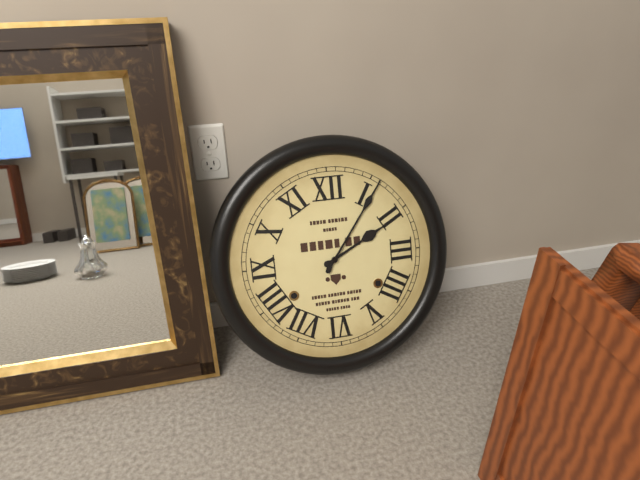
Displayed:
h=2 m=6
